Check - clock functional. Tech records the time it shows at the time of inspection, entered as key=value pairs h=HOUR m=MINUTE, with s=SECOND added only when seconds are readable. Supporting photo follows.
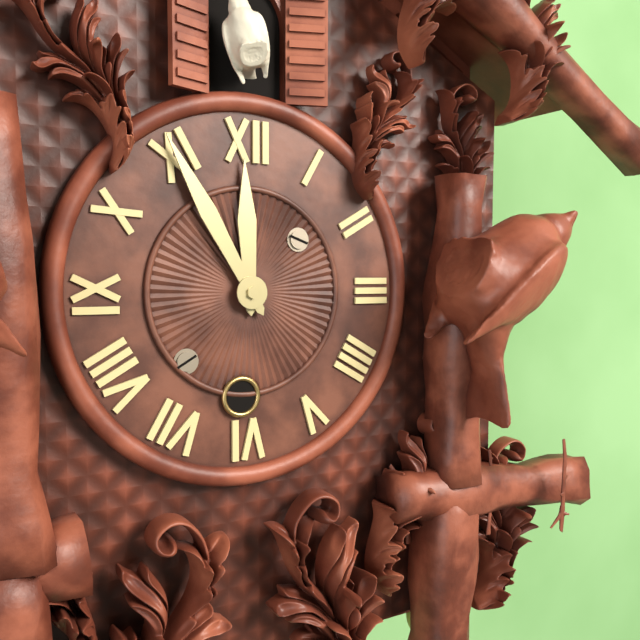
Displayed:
h=11 m=55
